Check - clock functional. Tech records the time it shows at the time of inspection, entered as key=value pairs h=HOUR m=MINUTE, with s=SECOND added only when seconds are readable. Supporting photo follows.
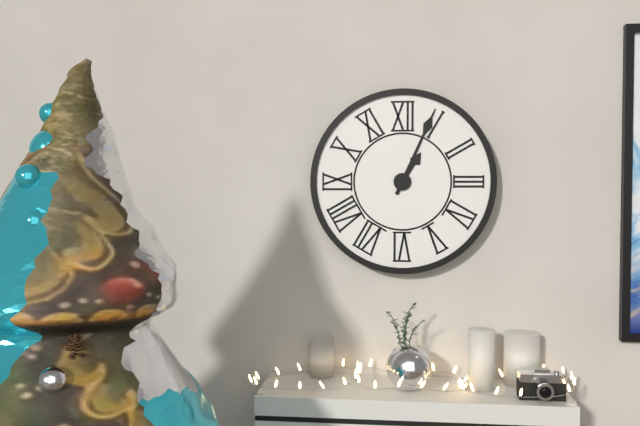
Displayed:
h=1 m=4
